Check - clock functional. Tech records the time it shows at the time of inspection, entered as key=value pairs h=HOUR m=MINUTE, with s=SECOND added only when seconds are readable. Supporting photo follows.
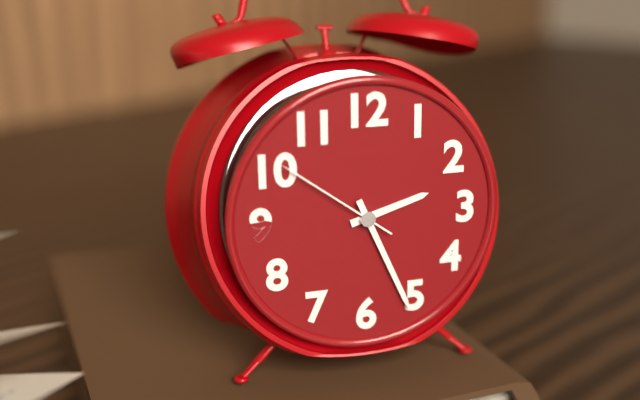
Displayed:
h=2 m=26 s=51
